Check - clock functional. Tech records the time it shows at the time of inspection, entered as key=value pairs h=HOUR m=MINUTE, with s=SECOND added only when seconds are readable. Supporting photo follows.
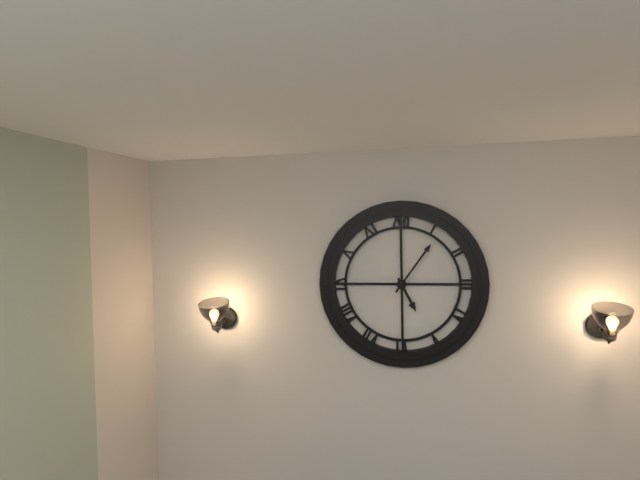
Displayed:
h=5 m=6
